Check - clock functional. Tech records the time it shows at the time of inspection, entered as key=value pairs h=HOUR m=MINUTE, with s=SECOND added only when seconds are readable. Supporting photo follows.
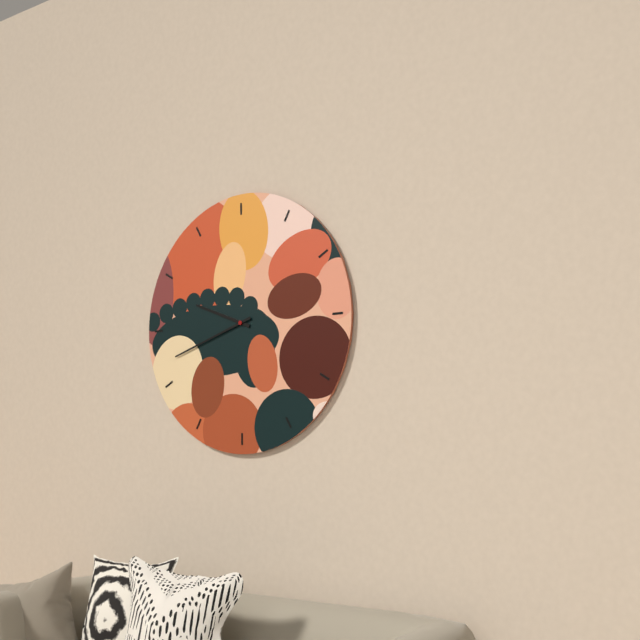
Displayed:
h=9 m=42
